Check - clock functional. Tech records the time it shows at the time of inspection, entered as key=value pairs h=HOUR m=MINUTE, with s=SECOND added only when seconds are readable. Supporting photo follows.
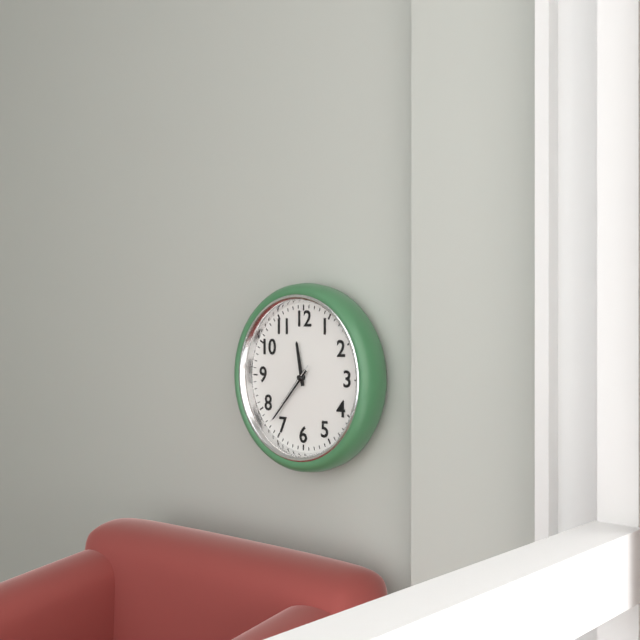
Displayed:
h=11 m=37 s=37
